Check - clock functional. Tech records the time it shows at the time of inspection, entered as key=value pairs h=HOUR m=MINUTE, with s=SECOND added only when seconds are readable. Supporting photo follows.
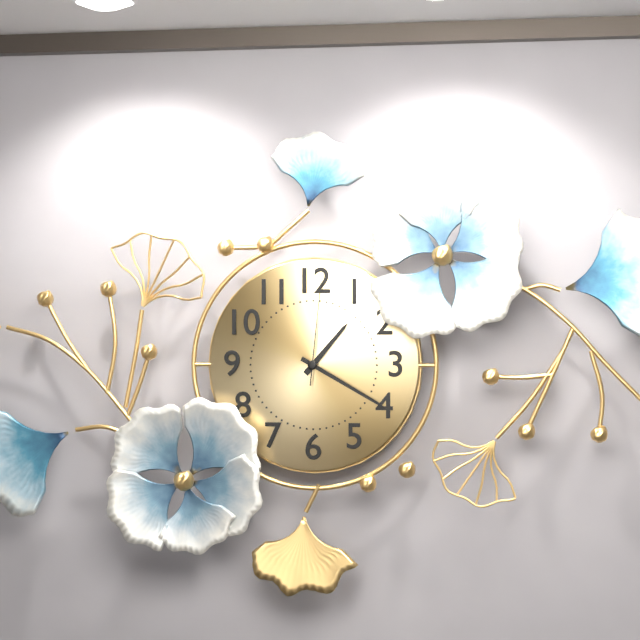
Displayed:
h=1 m=20 s=1
